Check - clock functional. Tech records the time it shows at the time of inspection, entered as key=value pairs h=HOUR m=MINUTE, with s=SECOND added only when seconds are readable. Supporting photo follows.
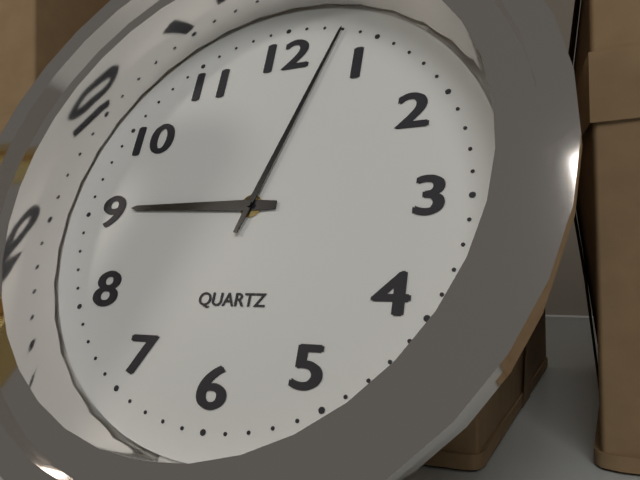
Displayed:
h=9 m=3
